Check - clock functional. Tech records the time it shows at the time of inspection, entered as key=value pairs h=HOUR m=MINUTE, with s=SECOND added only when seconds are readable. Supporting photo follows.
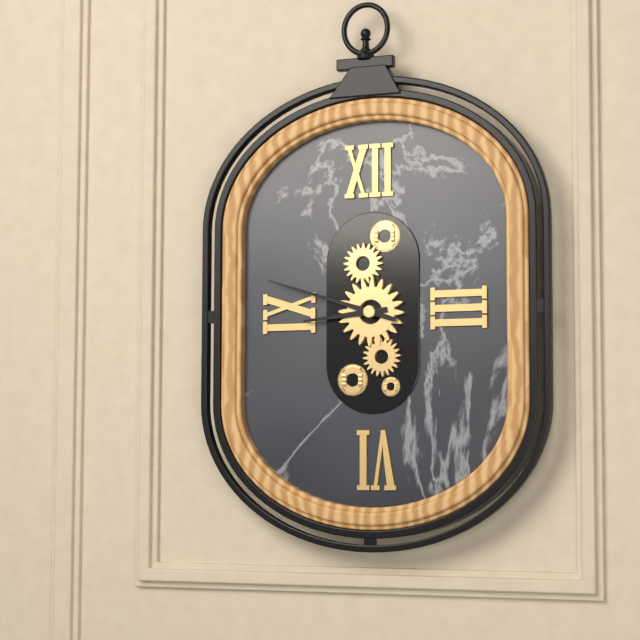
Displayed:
h=8 m=48
